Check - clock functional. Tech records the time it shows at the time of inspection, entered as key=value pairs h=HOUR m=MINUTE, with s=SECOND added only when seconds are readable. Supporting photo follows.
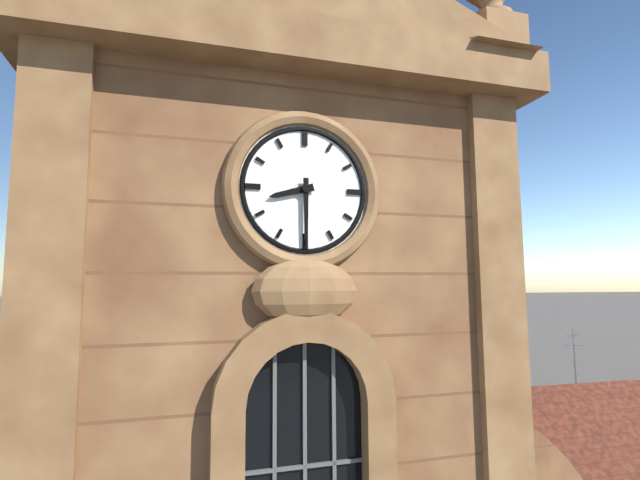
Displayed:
h=8 m=30
